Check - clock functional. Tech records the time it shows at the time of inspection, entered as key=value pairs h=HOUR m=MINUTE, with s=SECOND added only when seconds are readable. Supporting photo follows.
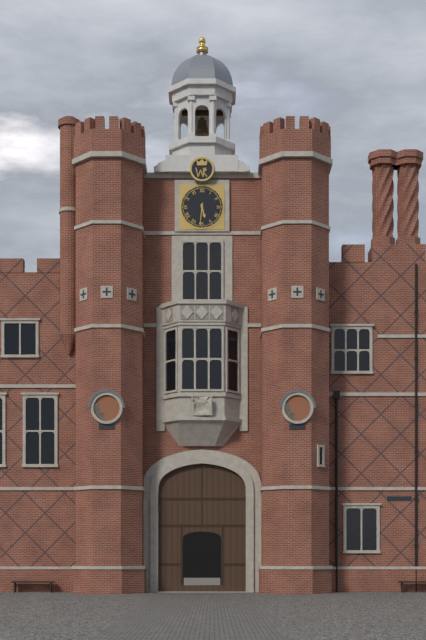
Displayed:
h=5 m=31
